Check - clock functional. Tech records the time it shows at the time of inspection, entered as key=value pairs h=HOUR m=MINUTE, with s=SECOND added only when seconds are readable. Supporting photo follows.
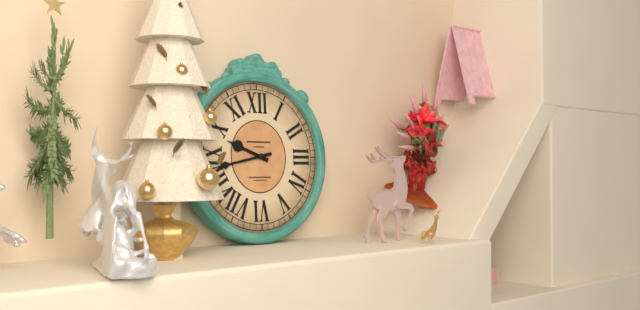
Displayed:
h=9 m=43
